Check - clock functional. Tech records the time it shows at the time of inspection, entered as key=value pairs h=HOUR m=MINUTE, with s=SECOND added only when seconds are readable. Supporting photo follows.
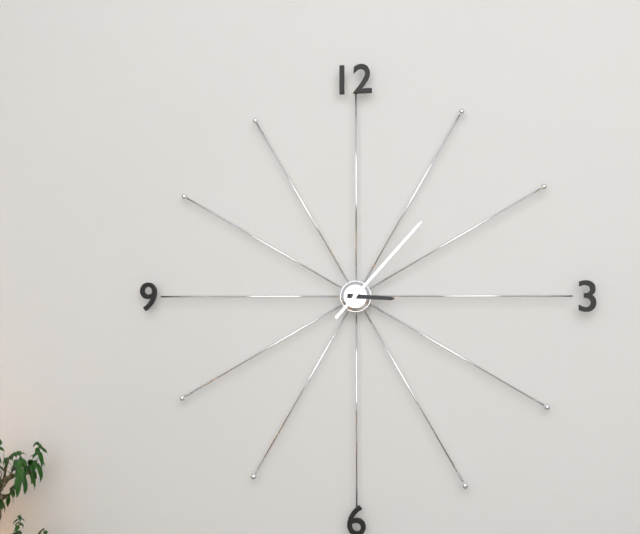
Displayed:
h=3 m=7
